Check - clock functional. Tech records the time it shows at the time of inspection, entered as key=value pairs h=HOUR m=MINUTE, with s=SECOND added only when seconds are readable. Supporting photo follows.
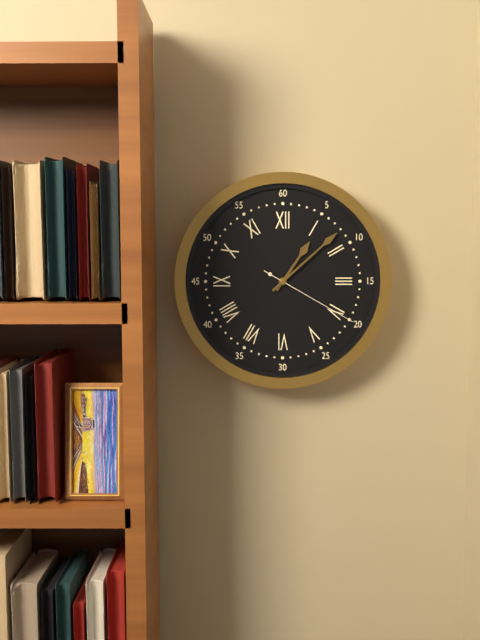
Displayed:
h=1 m=8 s=20
